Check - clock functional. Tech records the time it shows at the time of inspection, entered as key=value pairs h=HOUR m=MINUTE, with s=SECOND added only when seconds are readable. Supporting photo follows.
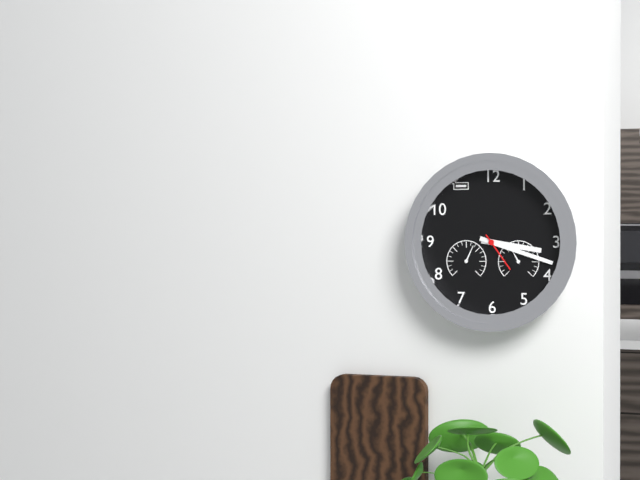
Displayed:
h=3 m=18
